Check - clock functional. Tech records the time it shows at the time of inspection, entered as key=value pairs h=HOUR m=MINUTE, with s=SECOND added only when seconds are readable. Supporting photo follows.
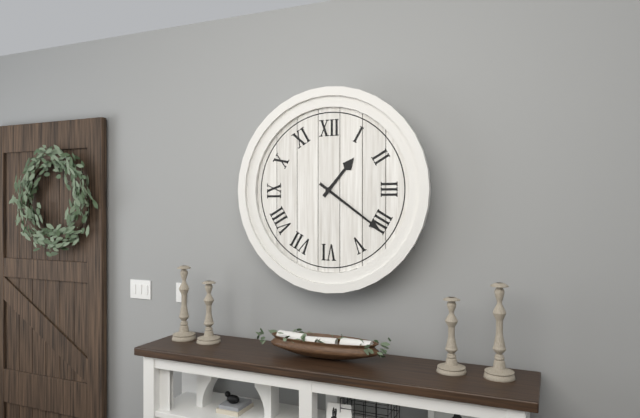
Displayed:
h=1 m=21
